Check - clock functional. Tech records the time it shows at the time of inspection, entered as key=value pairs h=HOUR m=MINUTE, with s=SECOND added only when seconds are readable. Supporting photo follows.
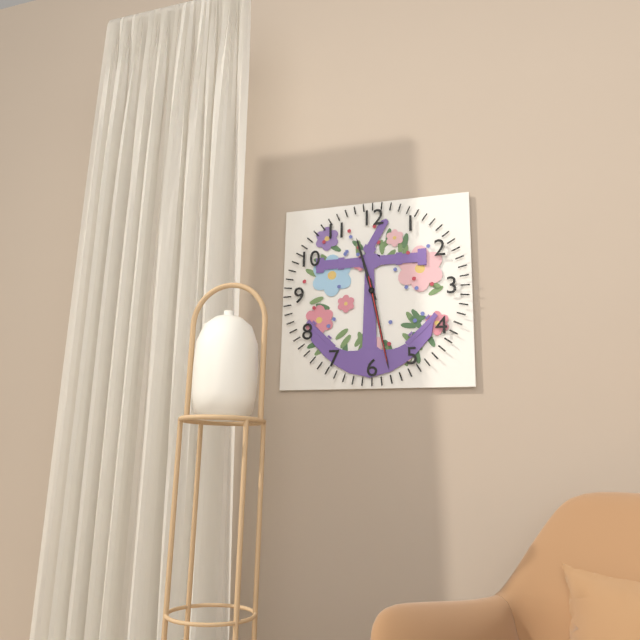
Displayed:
h=11 m=28 s=28
